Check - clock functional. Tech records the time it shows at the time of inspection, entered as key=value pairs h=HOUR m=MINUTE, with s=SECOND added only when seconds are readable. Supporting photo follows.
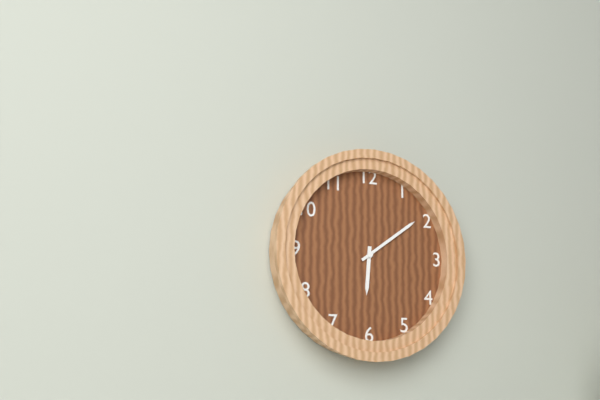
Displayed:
h=6 m=9
